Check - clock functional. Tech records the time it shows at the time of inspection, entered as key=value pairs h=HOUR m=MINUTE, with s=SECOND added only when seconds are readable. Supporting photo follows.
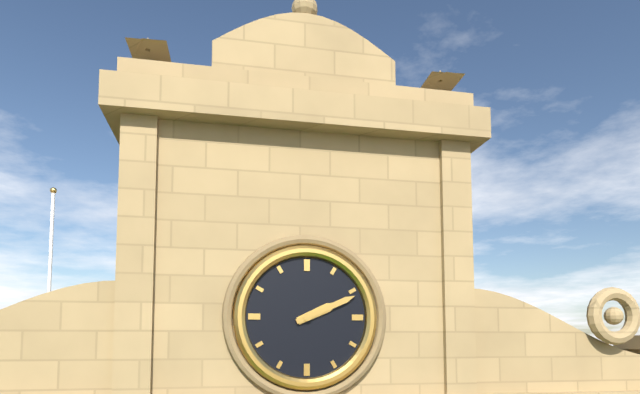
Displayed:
h=2 m=11
